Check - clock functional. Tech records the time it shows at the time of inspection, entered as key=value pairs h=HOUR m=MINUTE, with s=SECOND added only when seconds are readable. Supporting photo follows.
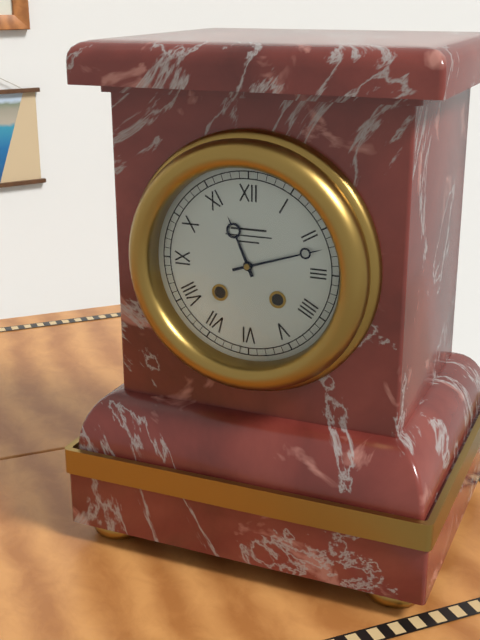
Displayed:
h=11 m=12
